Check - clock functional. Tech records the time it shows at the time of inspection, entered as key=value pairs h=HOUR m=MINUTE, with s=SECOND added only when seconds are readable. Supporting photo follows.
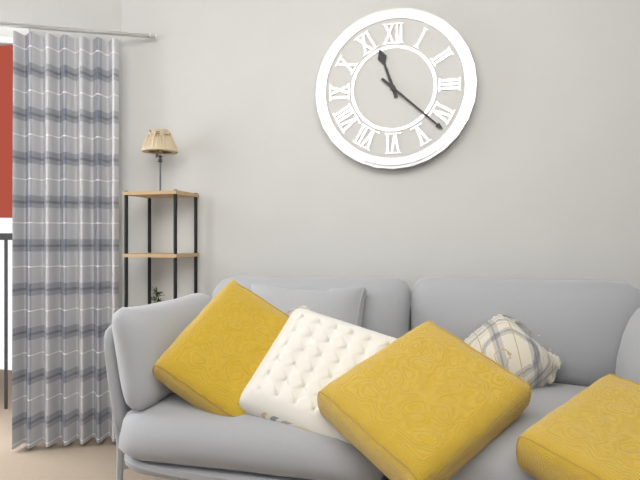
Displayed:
h=11 m=22
